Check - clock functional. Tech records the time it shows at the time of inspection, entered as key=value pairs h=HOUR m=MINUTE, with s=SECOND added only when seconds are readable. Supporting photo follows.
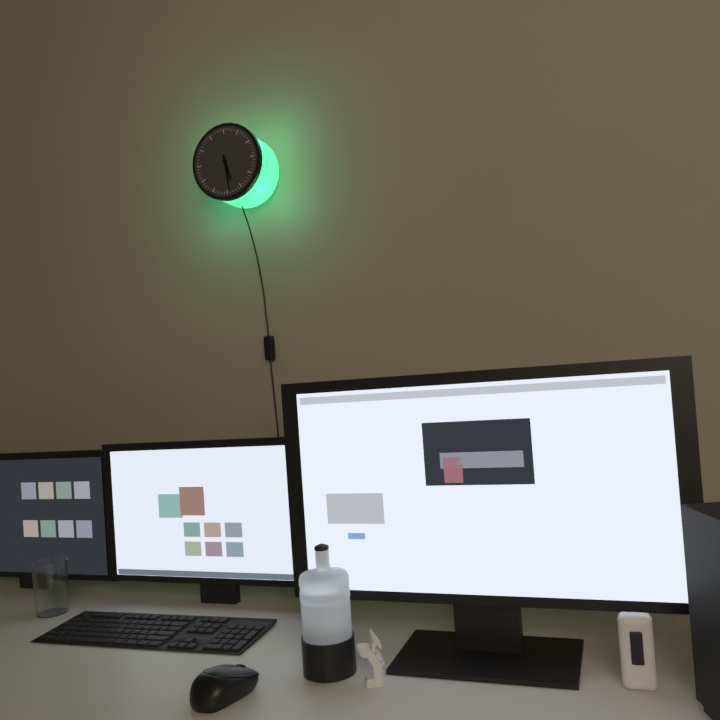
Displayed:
h=5 m=29
